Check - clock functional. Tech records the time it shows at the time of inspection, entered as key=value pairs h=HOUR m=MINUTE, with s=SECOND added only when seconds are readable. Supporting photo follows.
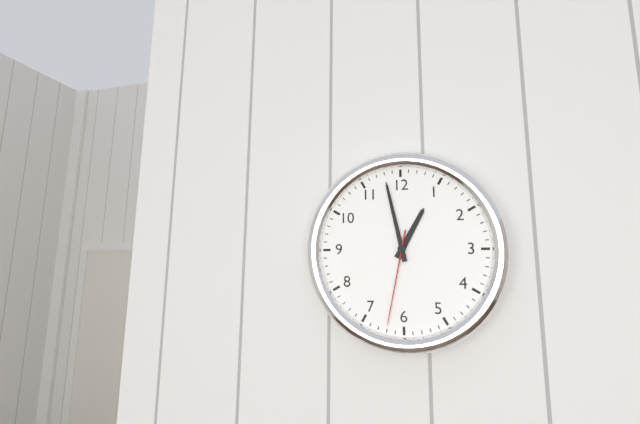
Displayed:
h=12 m=58 s=32
